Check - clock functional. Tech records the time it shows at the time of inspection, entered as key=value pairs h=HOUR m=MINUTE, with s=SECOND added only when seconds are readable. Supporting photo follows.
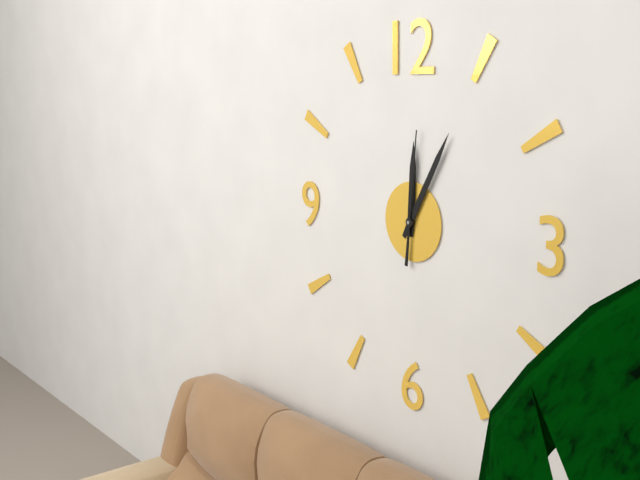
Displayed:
h=12 m=5 s=1
